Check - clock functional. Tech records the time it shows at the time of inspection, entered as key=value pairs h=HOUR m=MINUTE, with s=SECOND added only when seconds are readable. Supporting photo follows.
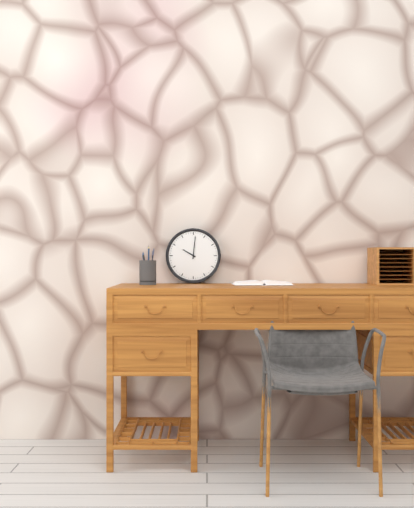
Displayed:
h=10 m=1
